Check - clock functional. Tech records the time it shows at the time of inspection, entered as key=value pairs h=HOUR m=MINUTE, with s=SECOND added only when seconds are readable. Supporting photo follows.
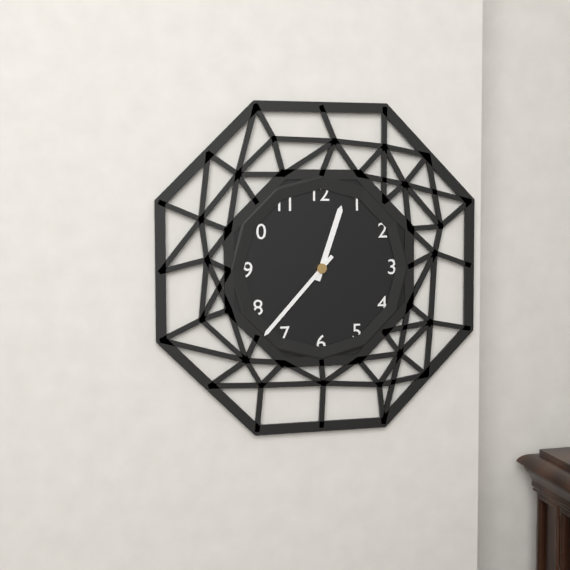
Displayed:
h=12 m=37
